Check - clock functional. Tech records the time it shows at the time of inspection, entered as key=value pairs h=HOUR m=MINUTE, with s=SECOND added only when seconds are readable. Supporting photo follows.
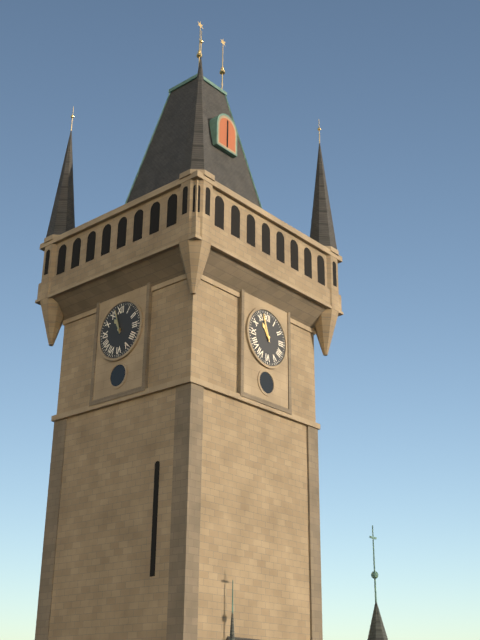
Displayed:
h=10 m=57
